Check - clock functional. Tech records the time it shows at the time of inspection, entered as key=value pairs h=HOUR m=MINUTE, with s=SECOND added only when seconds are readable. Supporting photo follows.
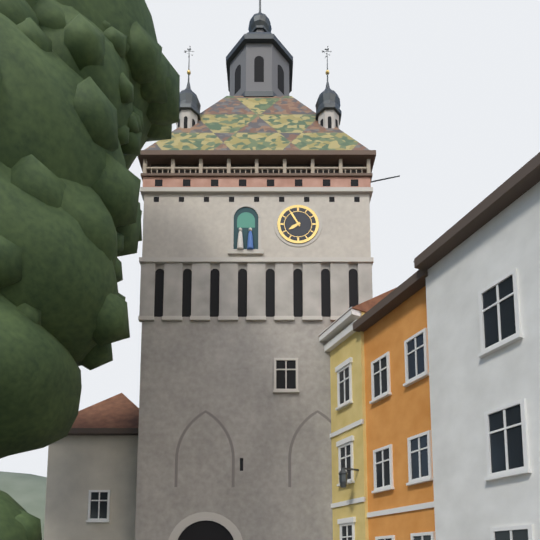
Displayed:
h=7 m=55
